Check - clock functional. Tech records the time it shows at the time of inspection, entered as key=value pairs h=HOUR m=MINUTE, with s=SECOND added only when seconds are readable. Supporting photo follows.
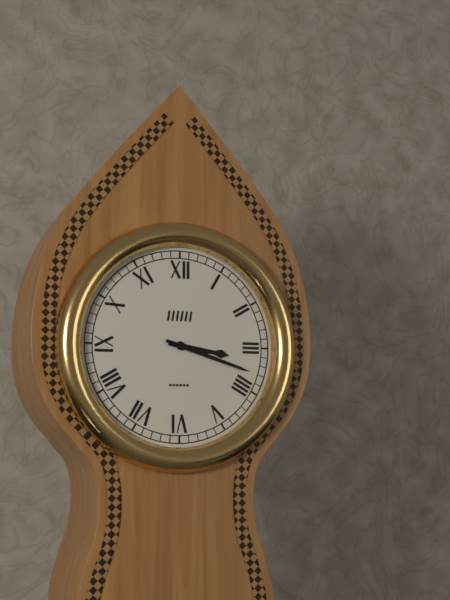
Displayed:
h=3 m=18
